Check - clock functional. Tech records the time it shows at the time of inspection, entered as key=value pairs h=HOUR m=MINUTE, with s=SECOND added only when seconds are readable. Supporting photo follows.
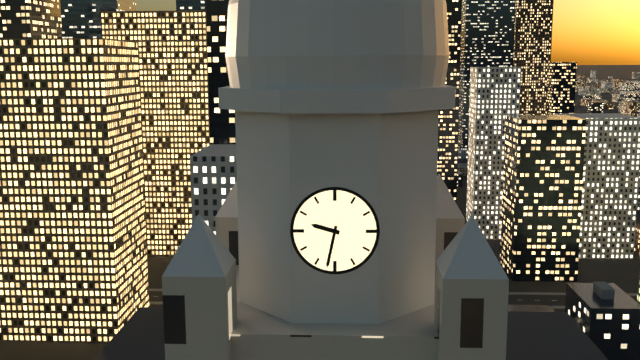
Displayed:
h=9 m=32
